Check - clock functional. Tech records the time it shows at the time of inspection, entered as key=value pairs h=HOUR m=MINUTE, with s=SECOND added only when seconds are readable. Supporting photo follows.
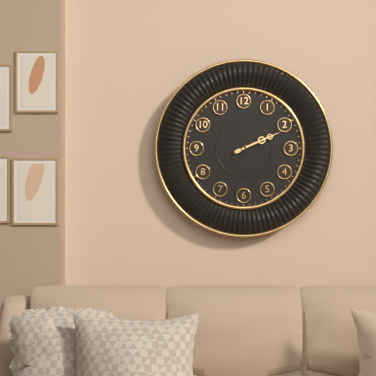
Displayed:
h=2 m=11
